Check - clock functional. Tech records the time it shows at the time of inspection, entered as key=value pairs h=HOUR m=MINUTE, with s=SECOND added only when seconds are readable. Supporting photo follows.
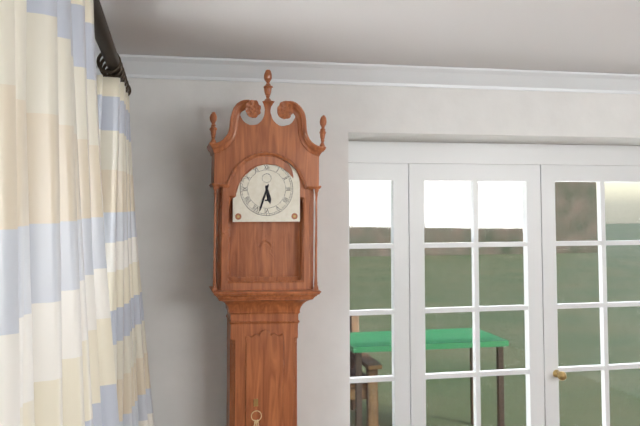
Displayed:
h=5 m=33
